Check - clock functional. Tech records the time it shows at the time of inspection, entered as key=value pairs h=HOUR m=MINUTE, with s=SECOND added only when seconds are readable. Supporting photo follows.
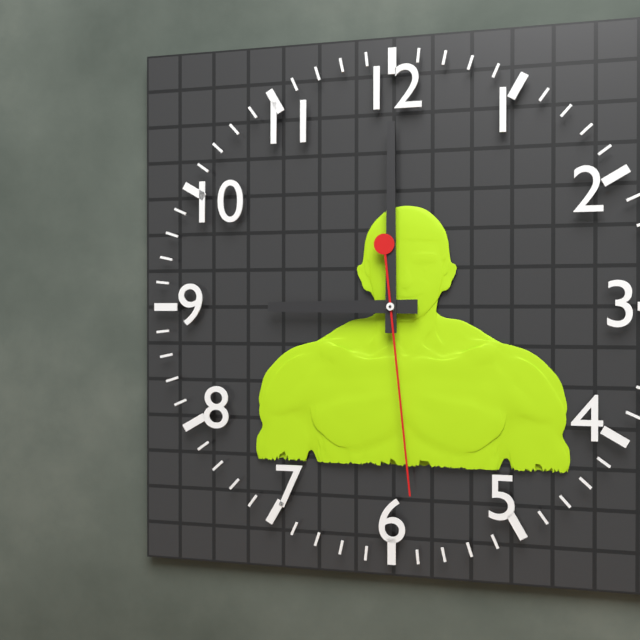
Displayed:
h=9 m=0 s=29
